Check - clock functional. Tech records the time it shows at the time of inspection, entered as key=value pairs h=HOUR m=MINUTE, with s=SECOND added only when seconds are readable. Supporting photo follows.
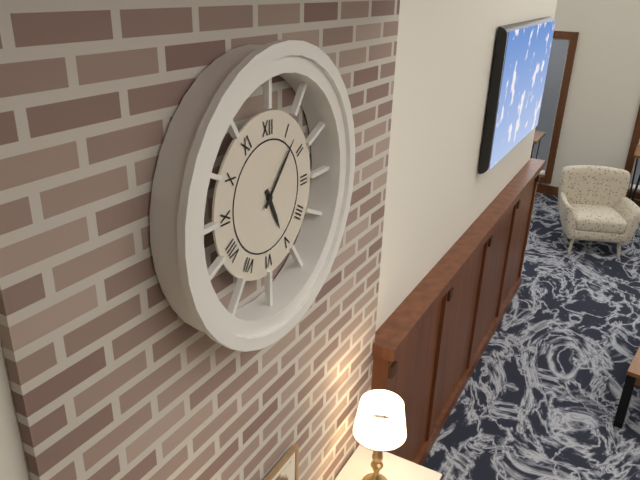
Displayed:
h=5 m=7
